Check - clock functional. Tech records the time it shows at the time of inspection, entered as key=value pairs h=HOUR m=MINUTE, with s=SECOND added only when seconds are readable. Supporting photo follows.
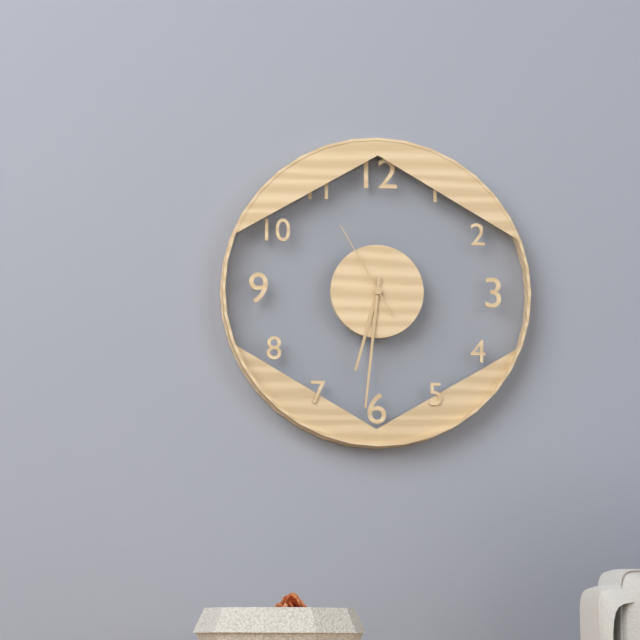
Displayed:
h=6 m=31 s=55
